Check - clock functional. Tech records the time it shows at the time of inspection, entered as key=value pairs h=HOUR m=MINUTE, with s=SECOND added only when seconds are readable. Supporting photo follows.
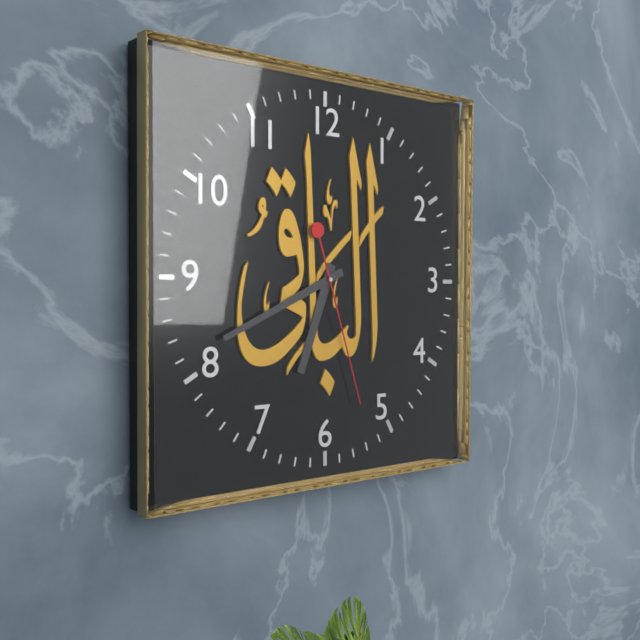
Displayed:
h=6 m=41 s=27
